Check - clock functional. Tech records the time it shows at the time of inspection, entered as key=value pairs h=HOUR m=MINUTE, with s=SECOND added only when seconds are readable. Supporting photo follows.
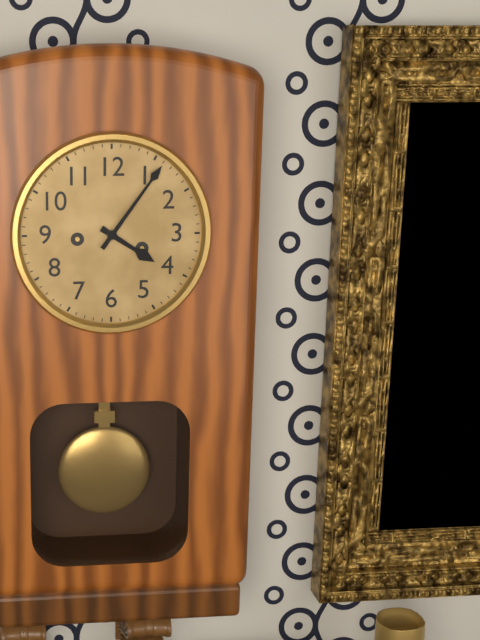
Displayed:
h=4 m=6
